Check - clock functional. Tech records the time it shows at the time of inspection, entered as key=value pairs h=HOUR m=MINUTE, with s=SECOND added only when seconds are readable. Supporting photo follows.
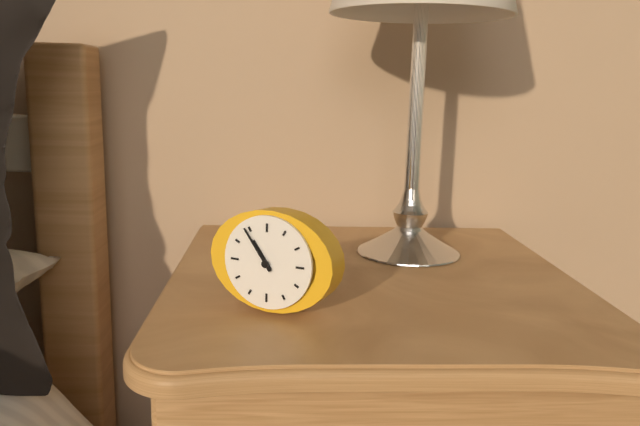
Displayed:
h=10 m=54
